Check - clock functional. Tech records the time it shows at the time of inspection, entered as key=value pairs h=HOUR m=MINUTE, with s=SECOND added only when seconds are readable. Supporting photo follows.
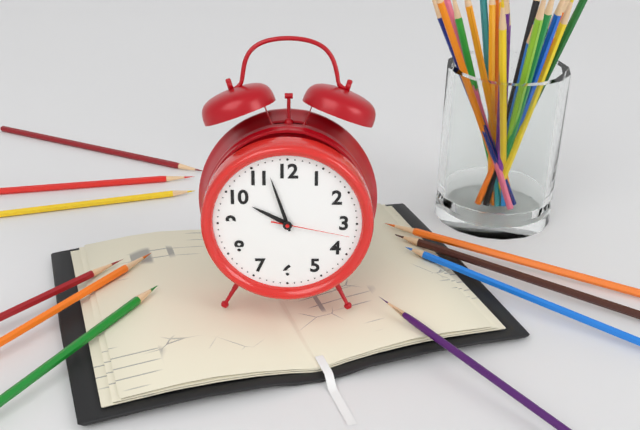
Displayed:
h=9 m=57 s=17
